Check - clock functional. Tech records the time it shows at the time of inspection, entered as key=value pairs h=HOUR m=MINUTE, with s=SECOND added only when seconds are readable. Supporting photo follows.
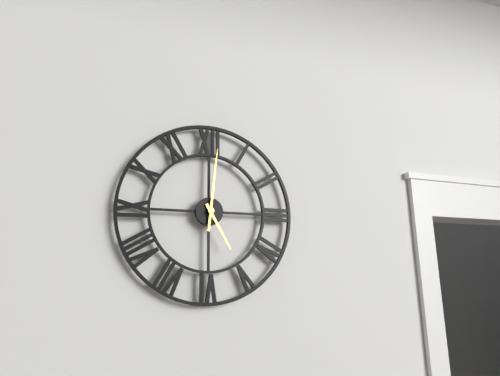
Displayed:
h=5 m=1
